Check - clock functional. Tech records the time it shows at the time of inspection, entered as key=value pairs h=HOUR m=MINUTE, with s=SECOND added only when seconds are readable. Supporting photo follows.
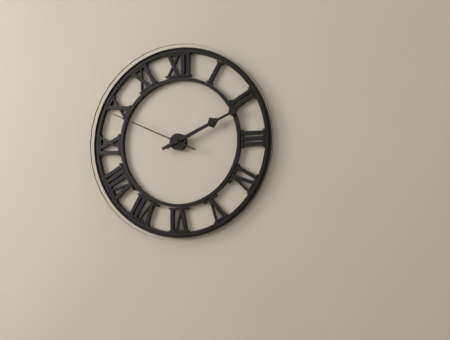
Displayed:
h=2 m=11 s=49
